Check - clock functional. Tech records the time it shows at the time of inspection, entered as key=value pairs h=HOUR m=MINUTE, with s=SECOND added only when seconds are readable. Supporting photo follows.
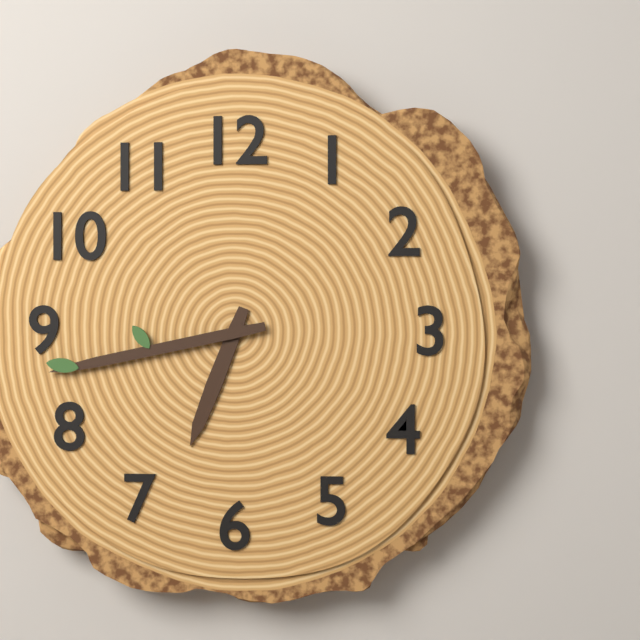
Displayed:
h=6 m=43
